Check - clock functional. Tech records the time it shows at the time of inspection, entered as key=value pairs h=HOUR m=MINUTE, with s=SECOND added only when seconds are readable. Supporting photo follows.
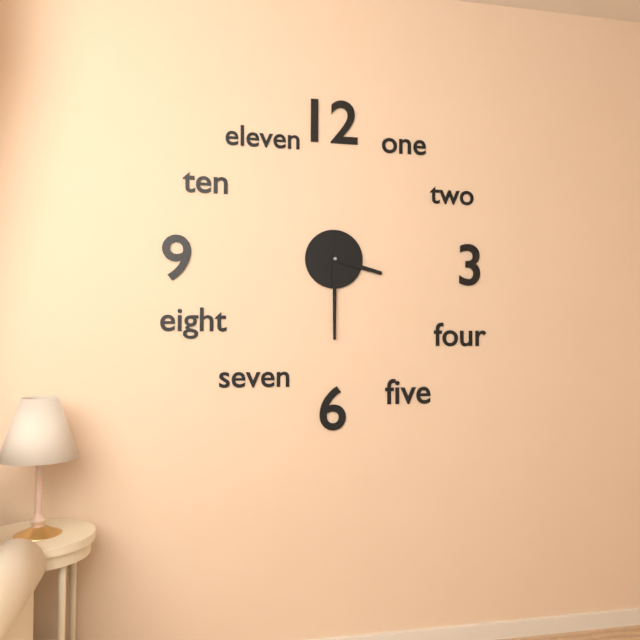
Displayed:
h=3 m=30
